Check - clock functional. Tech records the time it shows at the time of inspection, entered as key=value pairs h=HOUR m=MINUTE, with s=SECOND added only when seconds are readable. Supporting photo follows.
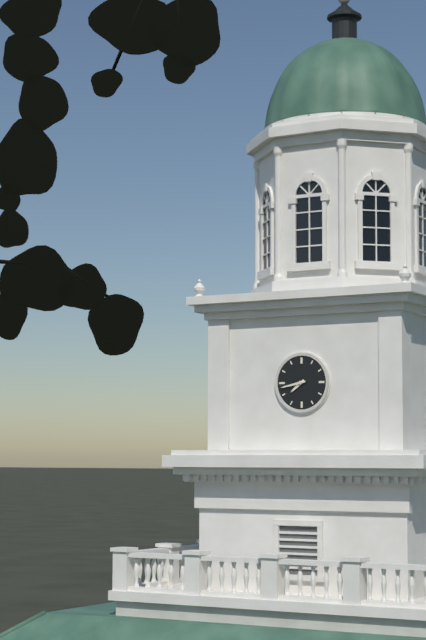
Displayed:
h=7 m=43
